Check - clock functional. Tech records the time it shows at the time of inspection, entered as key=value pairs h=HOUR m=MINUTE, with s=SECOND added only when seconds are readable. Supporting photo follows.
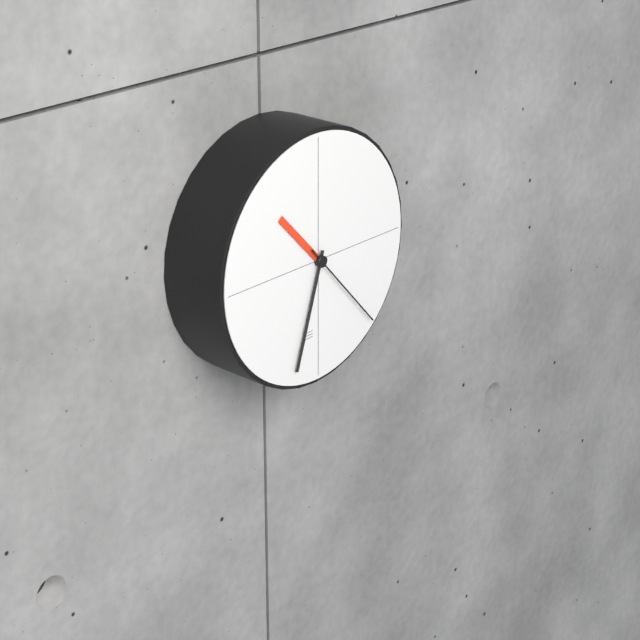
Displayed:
h=10 m=33 s=23
